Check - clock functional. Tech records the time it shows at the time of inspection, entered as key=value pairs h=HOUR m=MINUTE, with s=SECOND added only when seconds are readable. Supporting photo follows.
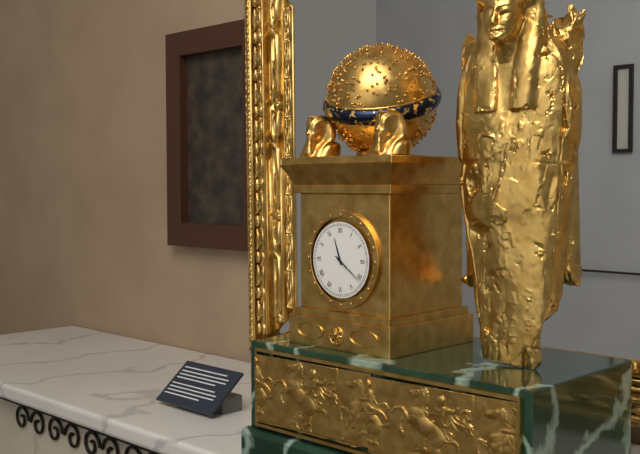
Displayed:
h=11 m=21
